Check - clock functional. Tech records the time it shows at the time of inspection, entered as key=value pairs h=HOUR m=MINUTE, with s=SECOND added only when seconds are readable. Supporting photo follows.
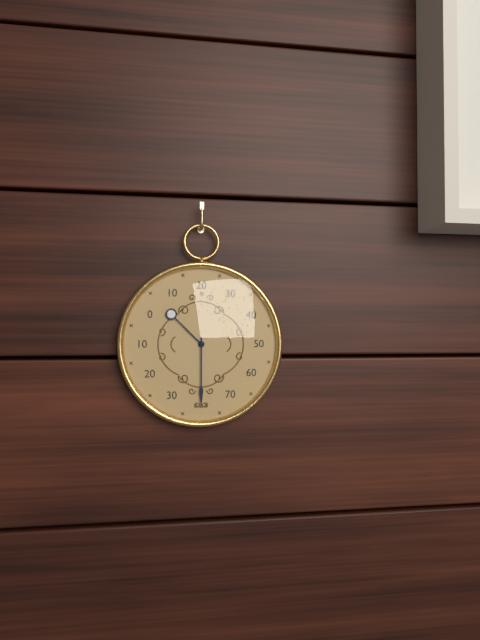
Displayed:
h=10 m=30
